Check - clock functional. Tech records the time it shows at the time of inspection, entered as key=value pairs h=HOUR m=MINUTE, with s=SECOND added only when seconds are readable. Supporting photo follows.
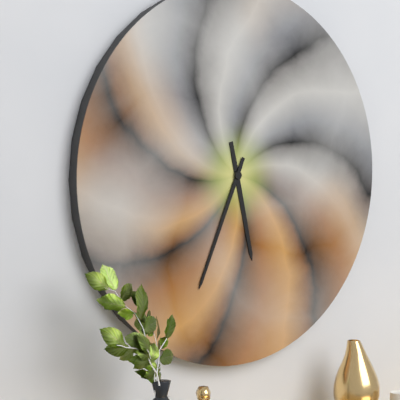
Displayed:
h=5 m=34
